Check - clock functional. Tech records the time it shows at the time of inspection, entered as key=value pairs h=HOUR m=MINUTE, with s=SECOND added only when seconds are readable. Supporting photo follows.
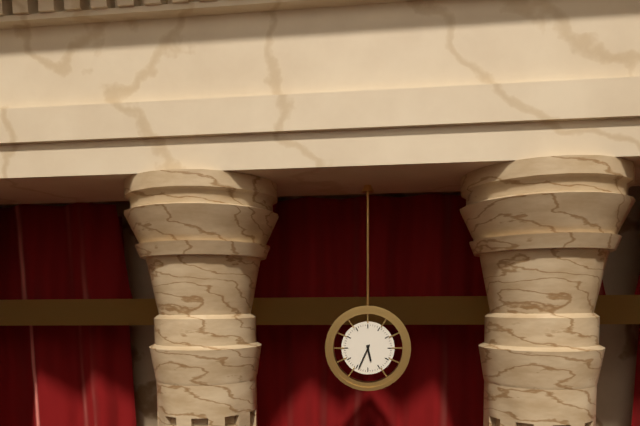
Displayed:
h=5 m=34
